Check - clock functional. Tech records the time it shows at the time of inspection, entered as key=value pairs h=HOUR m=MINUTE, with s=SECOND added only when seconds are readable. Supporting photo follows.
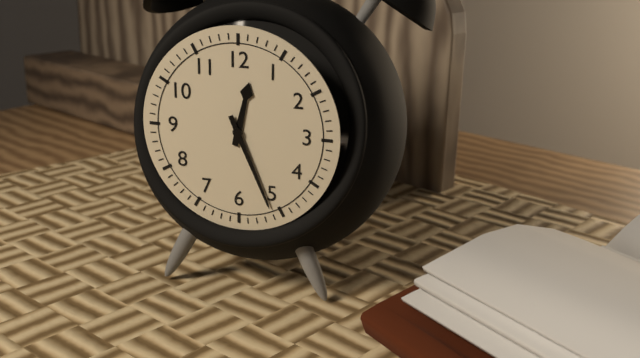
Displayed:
h=12 m=26
